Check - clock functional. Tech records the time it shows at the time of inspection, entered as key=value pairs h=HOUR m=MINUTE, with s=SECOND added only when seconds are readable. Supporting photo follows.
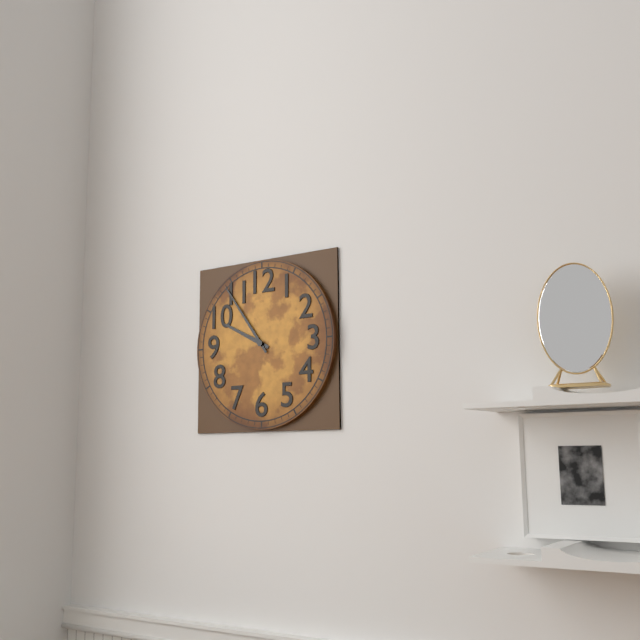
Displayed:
h=9 m=54
